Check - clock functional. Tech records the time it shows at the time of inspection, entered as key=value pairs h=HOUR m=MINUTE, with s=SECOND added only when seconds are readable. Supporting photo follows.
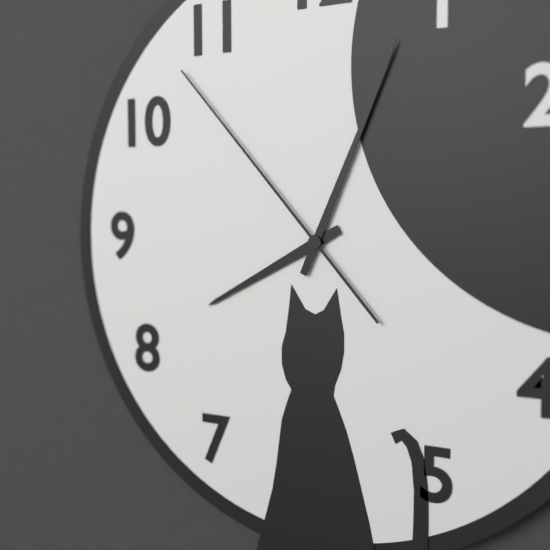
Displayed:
h=8 m=4 s=53
